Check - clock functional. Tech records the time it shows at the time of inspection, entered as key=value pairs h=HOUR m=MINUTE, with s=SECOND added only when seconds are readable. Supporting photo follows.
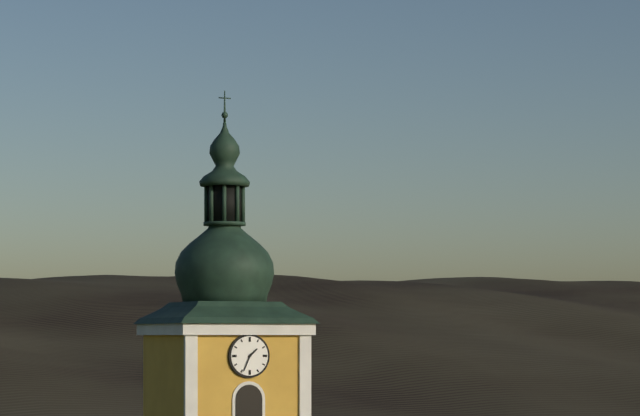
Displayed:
h=1 m=34
